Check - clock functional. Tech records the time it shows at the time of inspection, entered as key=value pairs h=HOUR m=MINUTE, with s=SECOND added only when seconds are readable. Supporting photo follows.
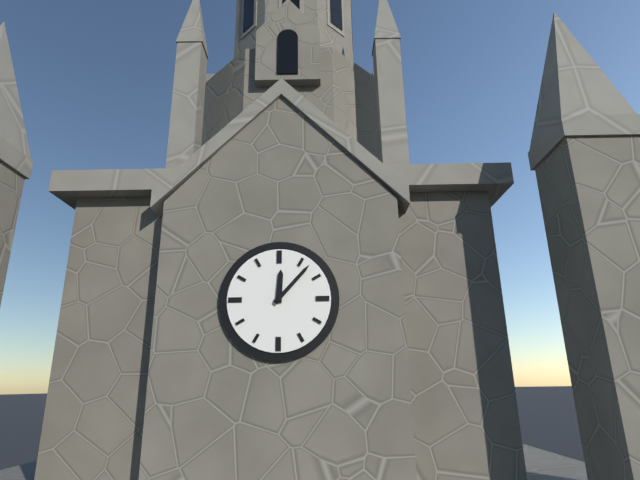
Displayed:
h=12 m=7
